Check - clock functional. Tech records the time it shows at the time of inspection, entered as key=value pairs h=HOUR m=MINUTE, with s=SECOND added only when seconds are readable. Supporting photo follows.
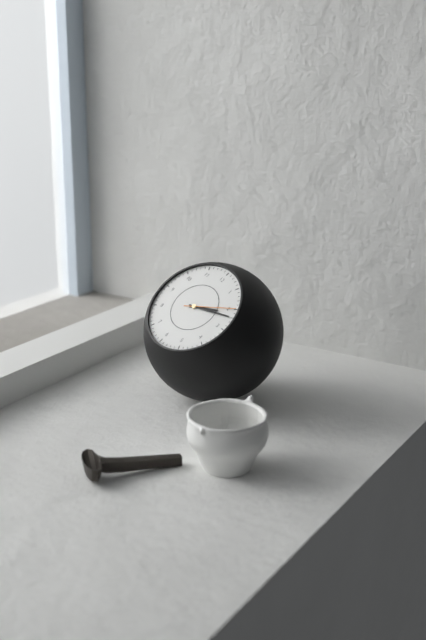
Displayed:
h=2 m=12 s=10
